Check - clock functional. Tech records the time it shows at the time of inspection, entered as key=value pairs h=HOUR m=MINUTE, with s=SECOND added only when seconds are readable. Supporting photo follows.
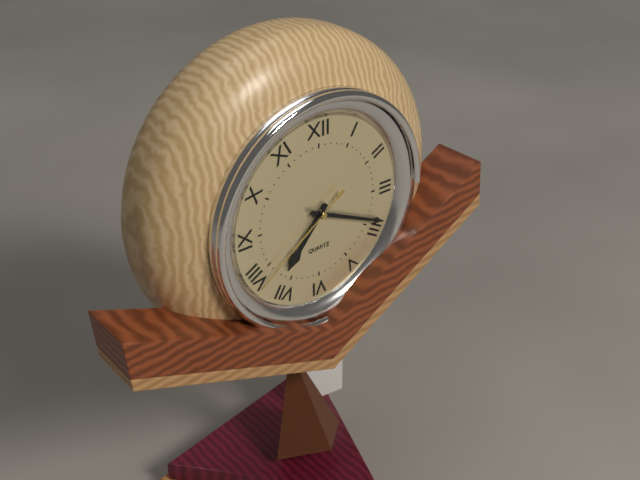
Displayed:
h=7 m=19 s=39
